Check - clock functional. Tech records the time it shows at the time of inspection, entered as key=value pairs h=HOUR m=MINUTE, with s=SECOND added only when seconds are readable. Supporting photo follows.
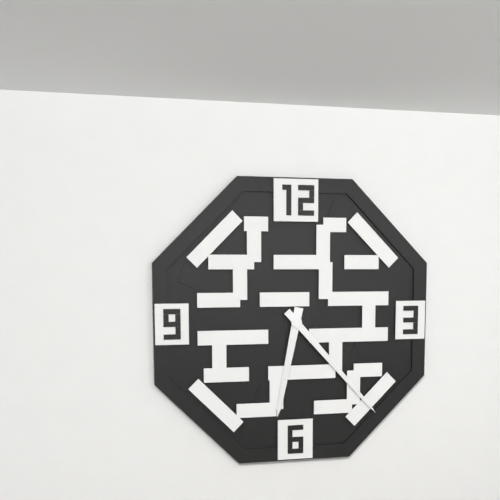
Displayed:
h=6 m=23
